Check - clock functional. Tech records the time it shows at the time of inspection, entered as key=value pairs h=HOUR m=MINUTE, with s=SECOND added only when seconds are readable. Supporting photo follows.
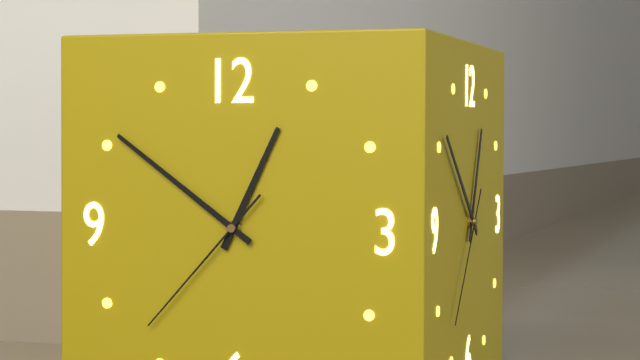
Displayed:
h=12 m=51 s=37
